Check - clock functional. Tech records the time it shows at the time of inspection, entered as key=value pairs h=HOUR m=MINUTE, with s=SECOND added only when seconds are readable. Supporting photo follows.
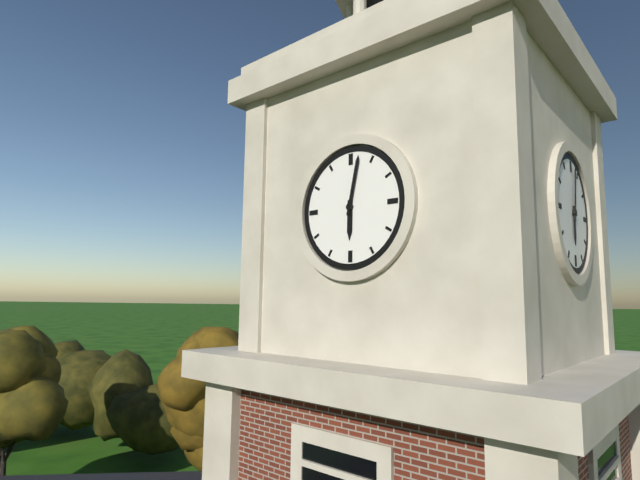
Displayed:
h=6 m=2
